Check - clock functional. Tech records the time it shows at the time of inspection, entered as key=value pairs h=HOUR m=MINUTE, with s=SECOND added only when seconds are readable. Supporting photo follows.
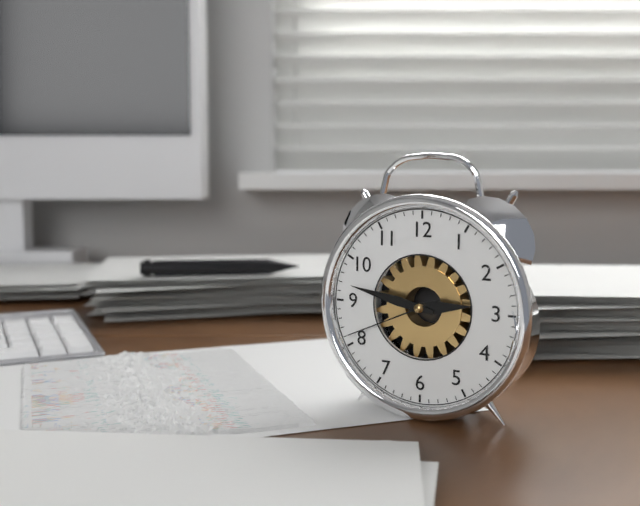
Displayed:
h=2 m=47 s=41
